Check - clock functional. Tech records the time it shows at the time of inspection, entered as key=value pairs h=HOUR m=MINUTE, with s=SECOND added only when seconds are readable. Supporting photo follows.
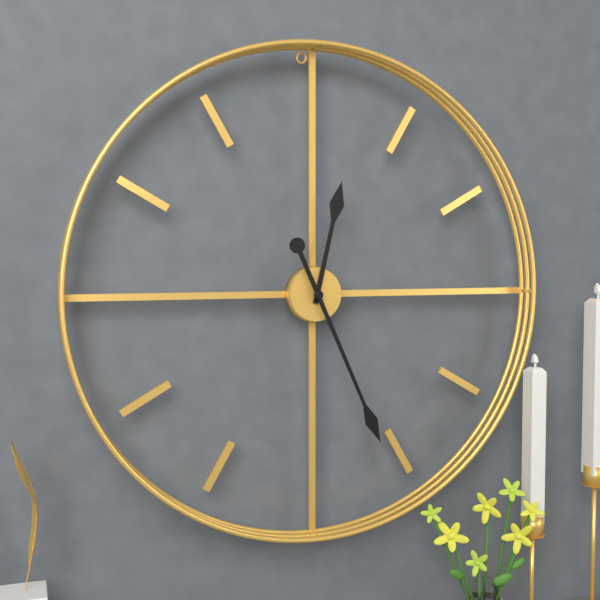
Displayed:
h=12 m=26
